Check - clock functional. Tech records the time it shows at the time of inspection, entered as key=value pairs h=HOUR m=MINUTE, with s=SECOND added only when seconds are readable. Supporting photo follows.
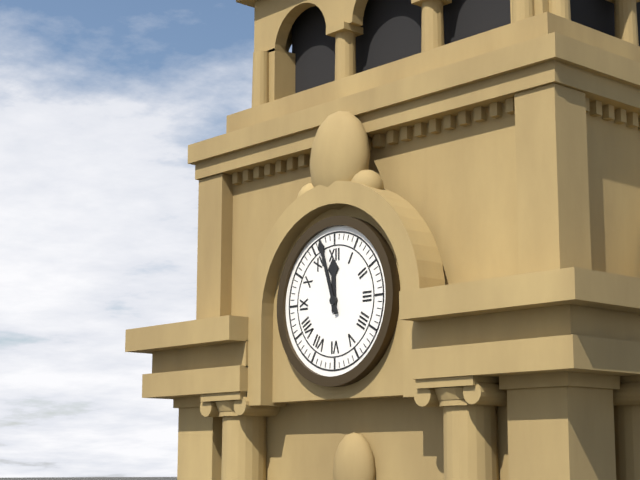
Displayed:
h=11 m=57
